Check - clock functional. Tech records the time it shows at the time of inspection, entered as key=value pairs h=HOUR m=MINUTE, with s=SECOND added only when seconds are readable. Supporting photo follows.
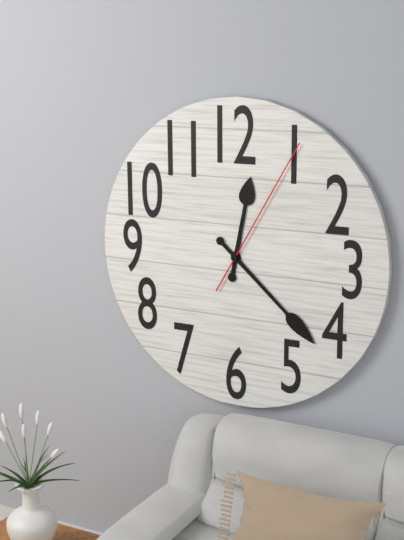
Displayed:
h=12 m=22 s=5
